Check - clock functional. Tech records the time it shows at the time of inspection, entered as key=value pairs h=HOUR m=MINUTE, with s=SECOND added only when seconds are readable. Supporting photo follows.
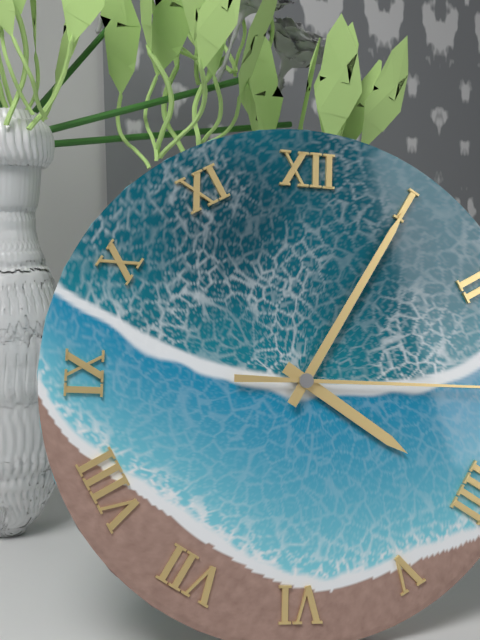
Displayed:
h=4 m=5
